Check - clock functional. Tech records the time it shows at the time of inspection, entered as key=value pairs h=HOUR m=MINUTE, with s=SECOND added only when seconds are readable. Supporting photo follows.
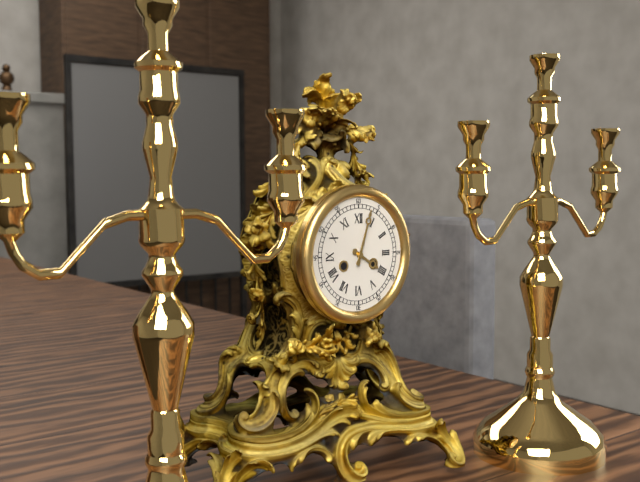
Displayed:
h=4 m=3
